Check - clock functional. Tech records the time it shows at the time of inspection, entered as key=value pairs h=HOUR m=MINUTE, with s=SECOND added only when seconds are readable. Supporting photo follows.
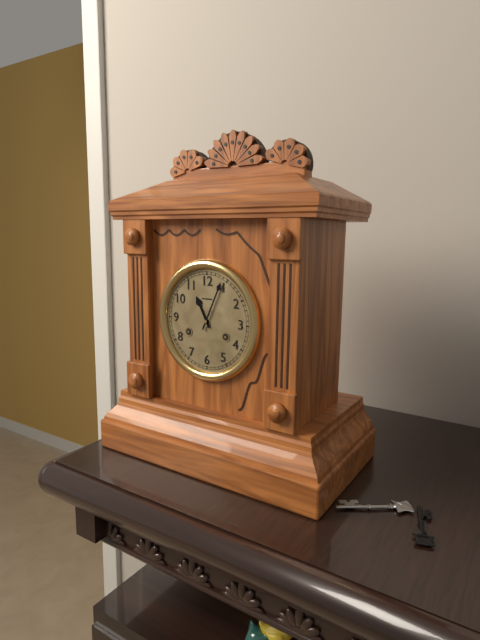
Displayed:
h=11 m=4
